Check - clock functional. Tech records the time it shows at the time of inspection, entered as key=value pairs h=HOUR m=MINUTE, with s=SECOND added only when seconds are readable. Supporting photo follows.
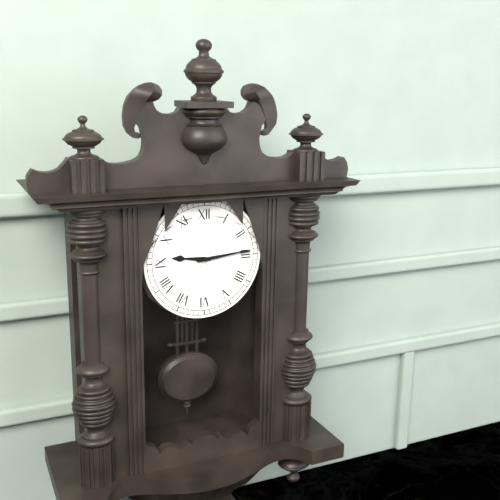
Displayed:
h=9 m=14
